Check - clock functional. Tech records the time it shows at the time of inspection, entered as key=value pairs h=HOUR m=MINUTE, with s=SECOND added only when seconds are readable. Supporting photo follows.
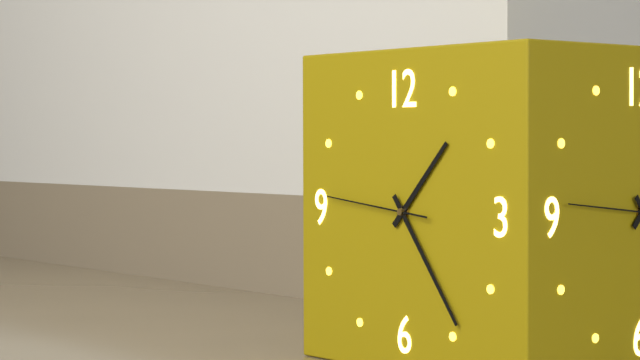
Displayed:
h=1 m=24 s=46
